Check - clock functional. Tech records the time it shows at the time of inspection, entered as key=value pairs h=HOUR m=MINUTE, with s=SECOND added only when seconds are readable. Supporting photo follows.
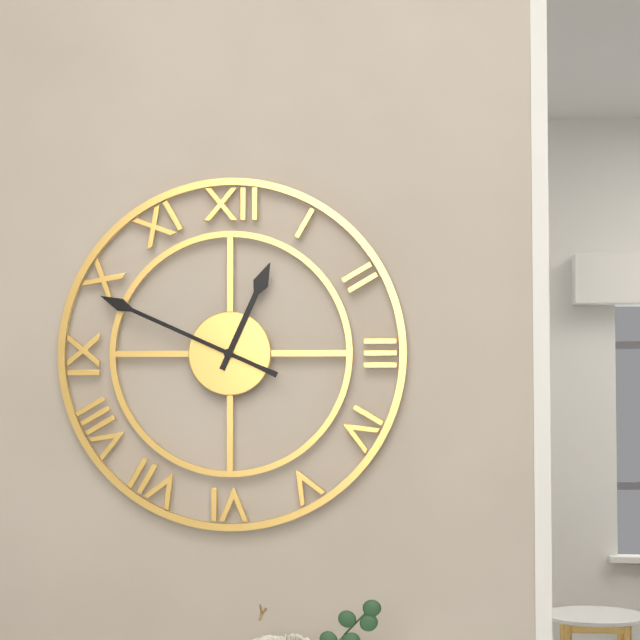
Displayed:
h=12 m=49
